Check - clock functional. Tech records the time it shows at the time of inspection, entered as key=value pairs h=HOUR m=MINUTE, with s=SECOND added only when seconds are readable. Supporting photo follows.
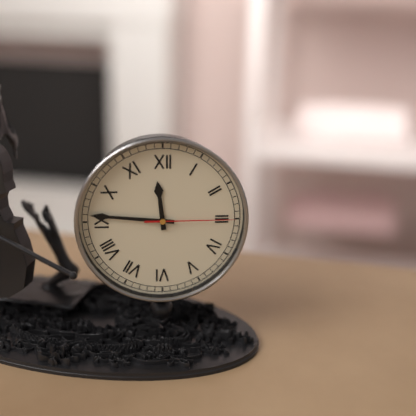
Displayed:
h=11 m=46 s=15
